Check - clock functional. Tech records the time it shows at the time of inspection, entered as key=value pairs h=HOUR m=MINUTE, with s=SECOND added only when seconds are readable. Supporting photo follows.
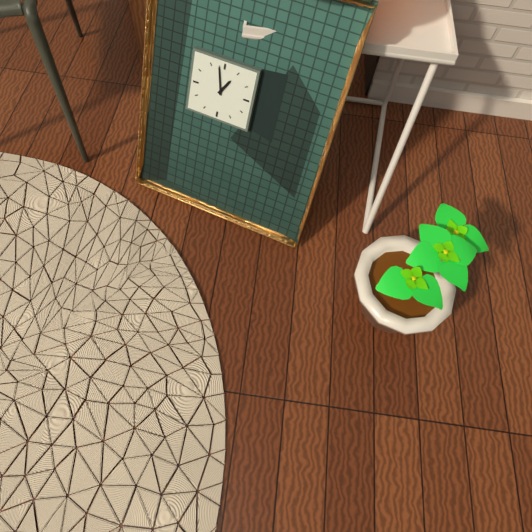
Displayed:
h=12 m=58
